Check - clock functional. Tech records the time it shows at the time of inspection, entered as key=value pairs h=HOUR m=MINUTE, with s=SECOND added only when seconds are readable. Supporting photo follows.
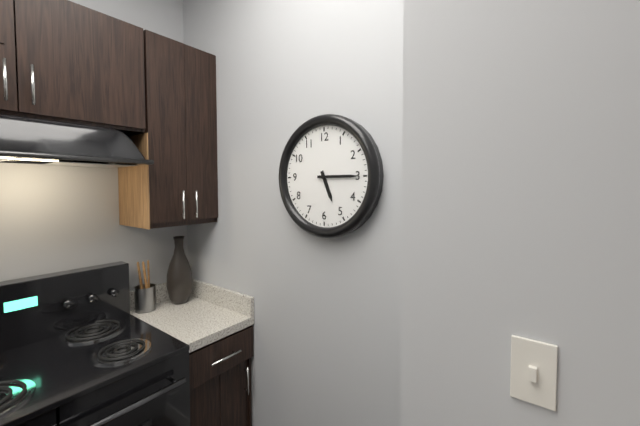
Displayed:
h=5 m=15
